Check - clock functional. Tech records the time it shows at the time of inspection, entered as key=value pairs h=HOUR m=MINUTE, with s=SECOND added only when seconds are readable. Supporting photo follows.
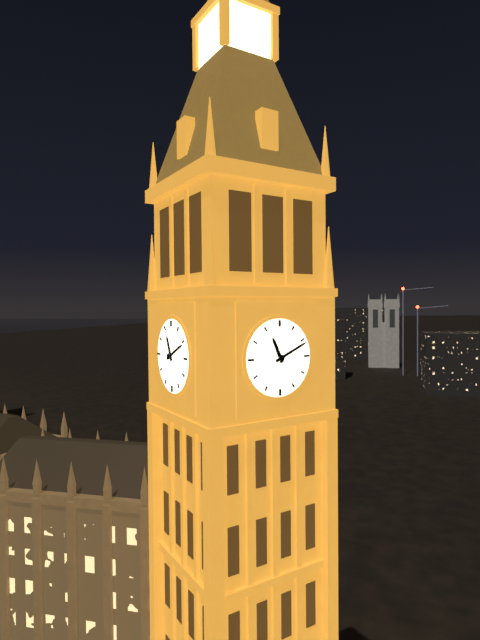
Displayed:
h=11 m=11
